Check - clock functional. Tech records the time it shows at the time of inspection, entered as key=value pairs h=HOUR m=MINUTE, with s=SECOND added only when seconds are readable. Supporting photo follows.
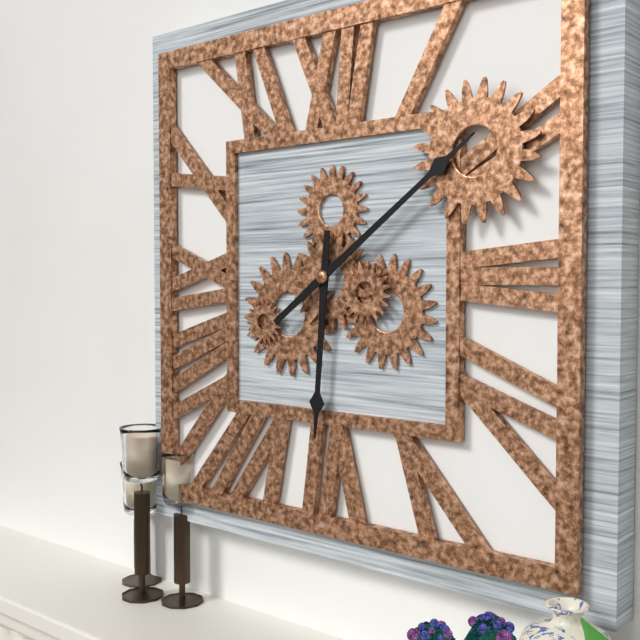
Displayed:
h=6 m=9
